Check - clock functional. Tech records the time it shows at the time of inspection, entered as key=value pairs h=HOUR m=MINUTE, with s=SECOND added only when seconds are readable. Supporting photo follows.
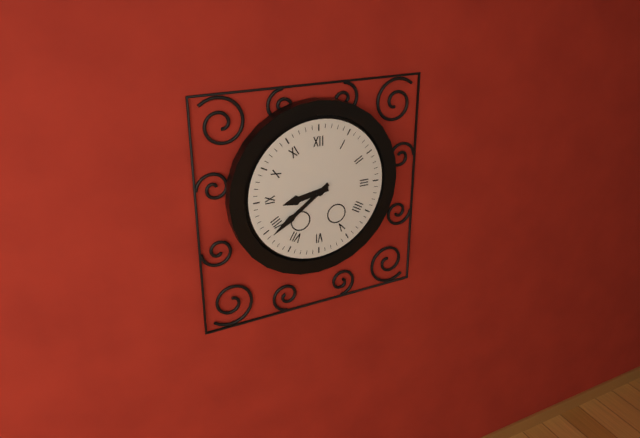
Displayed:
h=8 m=39
